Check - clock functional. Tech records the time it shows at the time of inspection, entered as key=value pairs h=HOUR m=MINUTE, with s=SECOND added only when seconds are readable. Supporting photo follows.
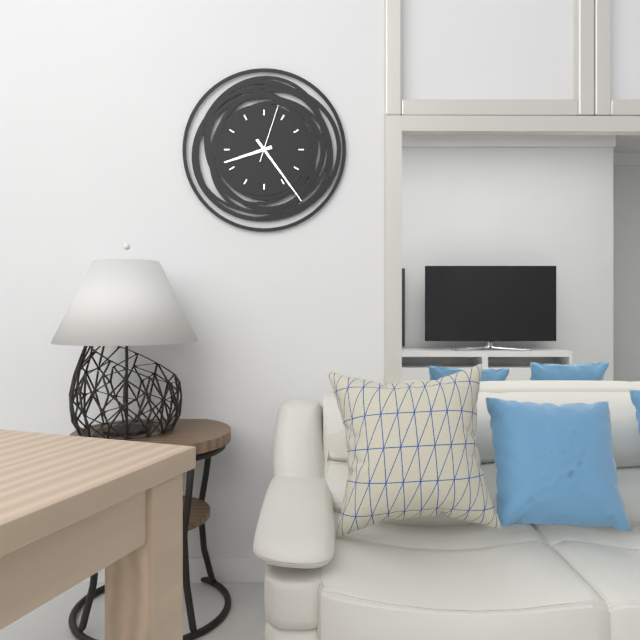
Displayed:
h=8 m=24 s=3
